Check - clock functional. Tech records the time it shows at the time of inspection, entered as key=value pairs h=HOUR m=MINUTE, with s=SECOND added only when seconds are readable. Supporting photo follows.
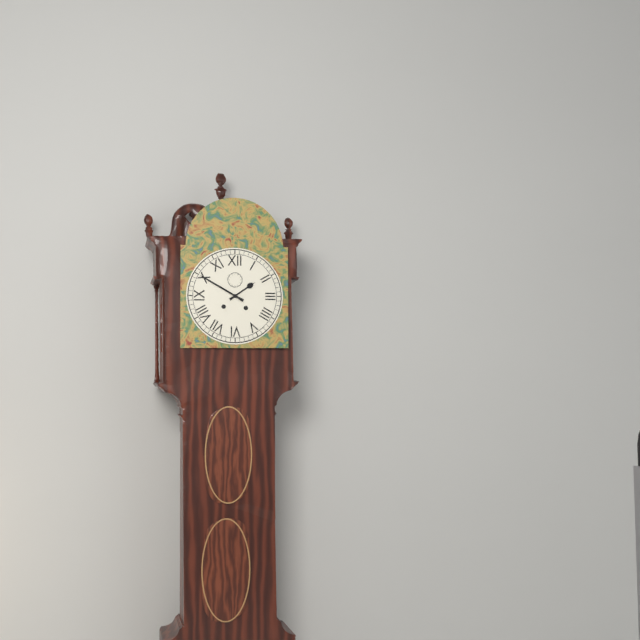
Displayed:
h=1 m=50
